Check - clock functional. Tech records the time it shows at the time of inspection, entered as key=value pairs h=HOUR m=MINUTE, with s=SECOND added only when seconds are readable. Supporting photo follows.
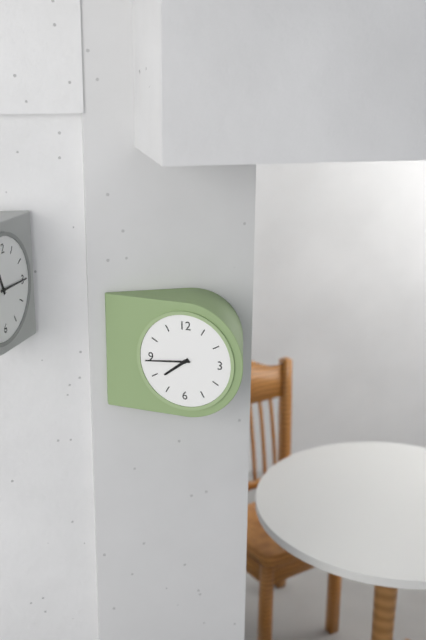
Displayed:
h=7 m=44
